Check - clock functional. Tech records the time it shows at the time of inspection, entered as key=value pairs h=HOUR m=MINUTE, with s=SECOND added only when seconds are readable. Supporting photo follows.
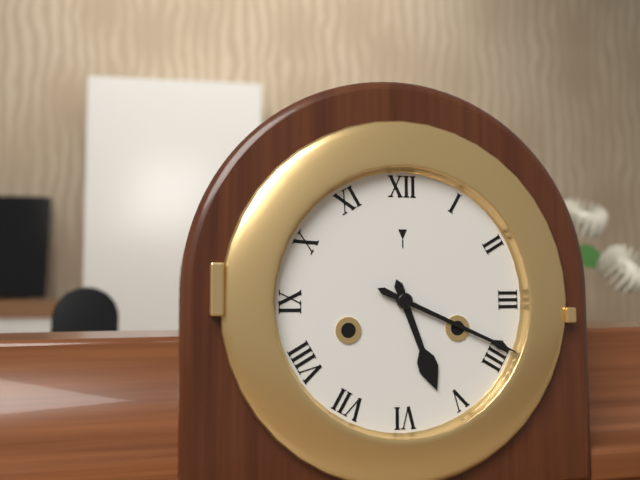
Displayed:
h=5 m=19
